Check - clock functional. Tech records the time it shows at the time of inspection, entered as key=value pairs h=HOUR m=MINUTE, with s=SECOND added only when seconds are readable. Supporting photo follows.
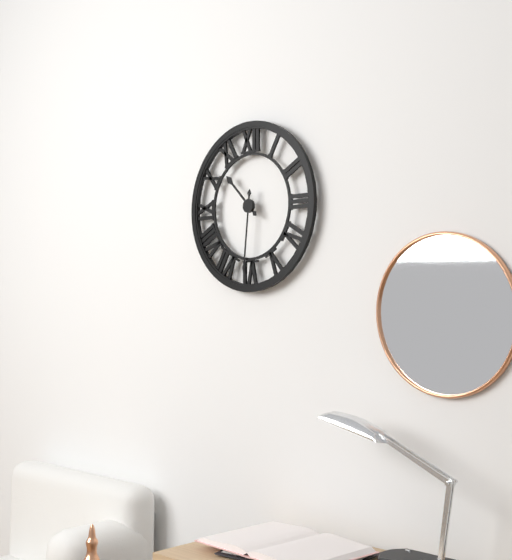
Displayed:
h=10 m=31
